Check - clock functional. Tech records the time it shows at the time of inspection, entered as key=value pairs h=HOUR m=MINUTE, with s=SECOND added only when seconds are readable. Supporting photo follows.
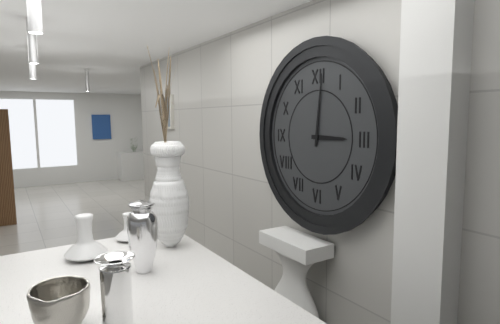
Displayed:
h=3 m=1
